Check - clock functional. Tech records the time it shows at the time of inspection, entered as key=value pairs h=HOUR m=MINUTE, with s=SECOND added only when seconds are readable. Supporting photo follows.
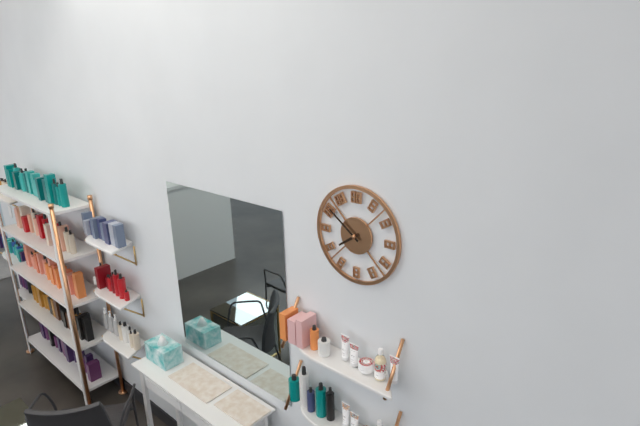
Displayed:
h=7 m=51
